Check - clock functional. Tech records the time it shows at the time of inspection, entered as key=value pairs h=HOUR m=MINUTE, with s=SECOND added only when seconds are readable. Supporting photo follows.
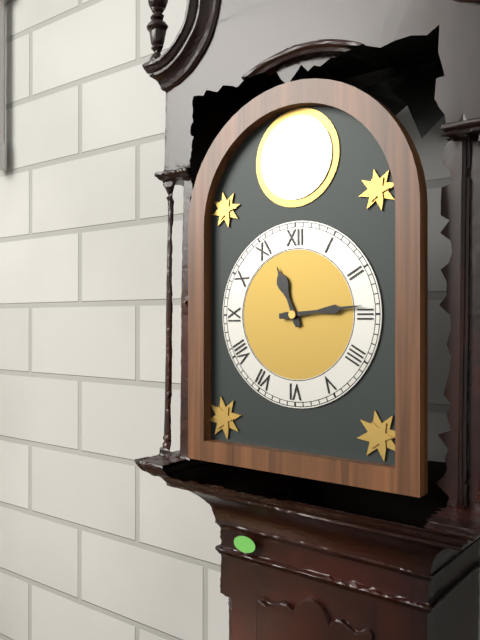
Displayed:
h=11 m=14
